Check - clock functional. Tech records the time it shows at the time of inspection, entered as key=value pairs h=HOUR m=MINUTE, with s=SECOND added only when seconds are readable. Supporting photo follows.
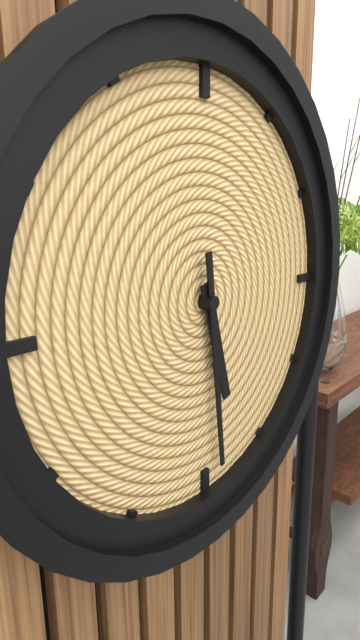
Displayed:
h=5 m=29
